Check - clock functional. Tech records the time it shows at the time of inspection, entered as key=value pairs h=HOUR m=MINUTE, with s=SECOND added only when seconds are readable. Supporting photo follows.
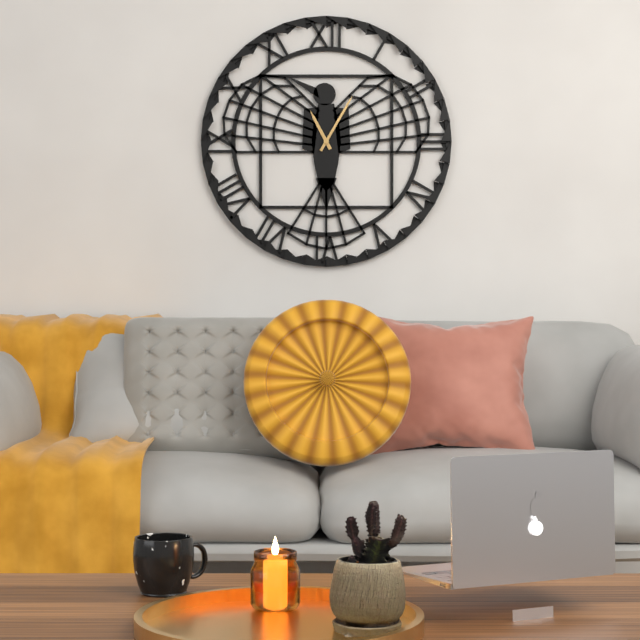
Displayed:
h=11 m=5
